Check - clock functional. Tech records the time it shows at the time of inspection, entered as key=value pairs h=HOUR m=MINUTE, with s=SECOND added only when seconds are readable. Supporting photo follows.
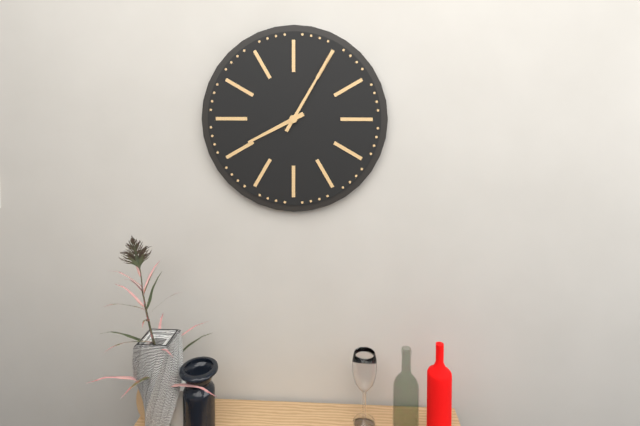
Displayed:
h=8 m=5
